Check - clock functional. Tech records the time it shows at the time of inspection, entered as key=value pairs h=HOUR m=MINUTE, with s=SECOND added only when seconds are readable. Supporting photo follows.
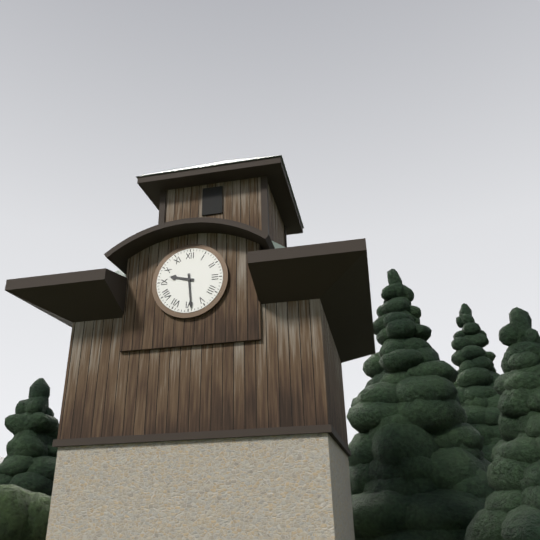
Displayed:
h=9 m=29
